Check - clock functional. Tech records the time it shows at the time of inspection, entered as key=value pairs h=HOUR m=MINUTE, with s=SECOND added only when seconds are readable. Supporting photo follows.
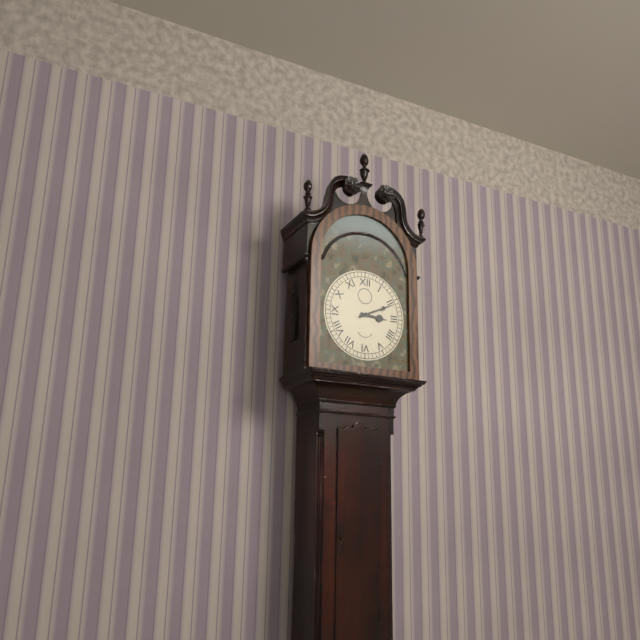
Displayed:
h=3 m=11
